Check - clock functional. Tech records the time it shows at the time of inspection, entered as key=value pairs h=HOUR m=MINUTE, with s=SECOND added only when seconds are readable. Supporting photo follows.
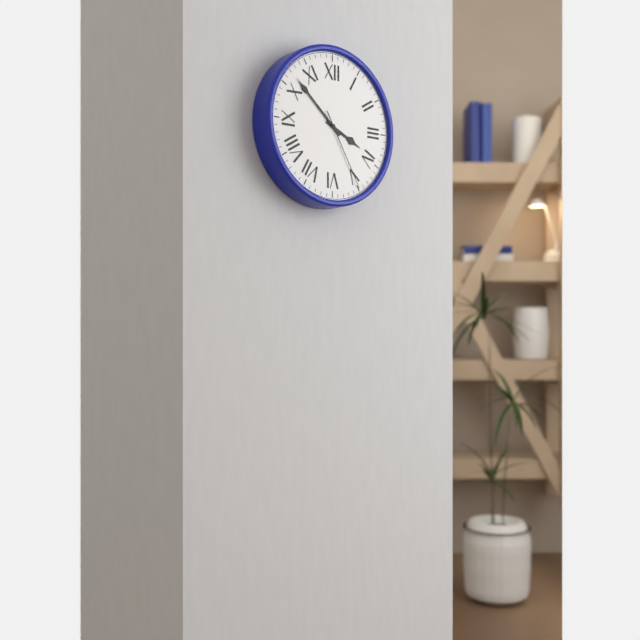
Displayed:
h=3 m=52 s=25
